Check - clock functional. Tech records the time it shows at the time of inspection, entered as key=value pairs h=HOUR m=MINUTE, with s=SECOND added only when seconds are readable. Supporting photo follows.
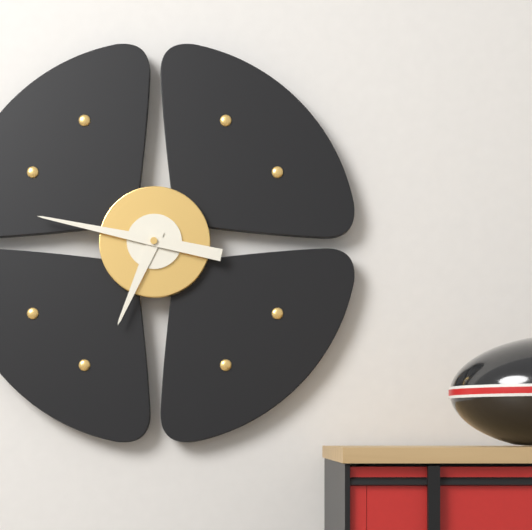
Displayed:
h=6 m=47
